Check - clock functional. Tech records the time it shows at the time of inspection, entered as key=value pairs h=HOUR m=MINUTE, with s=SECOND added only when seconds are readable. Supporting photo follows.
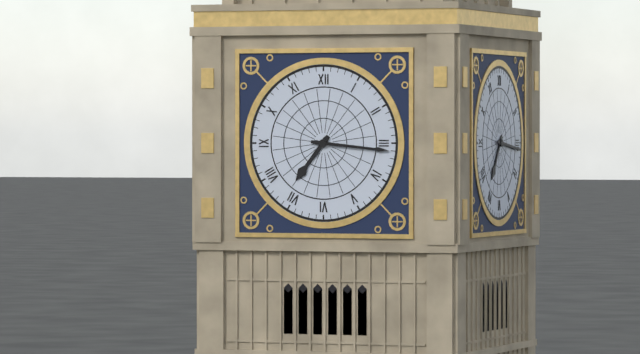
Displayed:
h=7 m=16
